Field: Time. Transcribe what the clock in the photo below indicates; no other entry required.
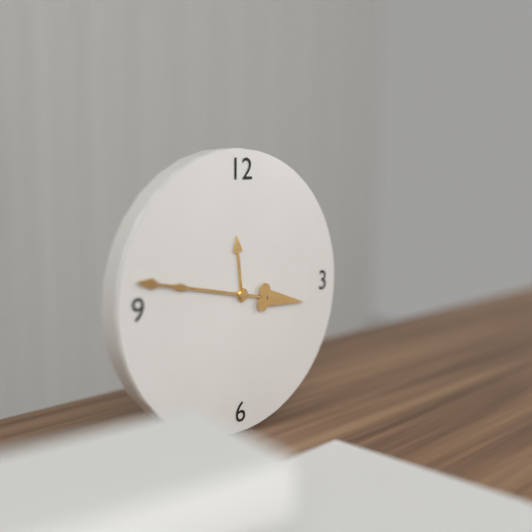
11:47
